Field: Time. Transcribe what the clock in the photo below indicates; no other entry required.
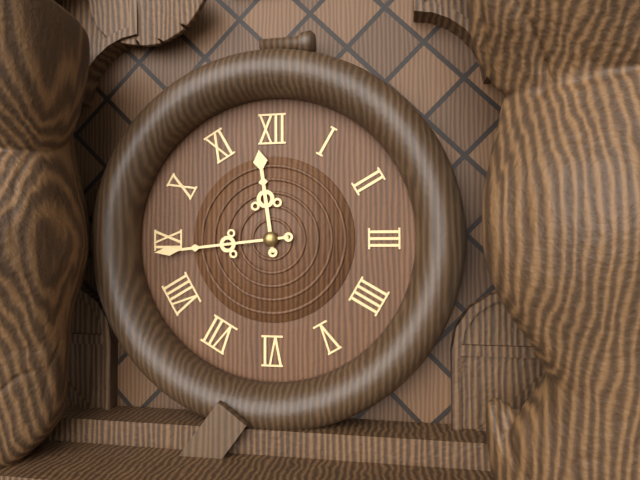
11:44
